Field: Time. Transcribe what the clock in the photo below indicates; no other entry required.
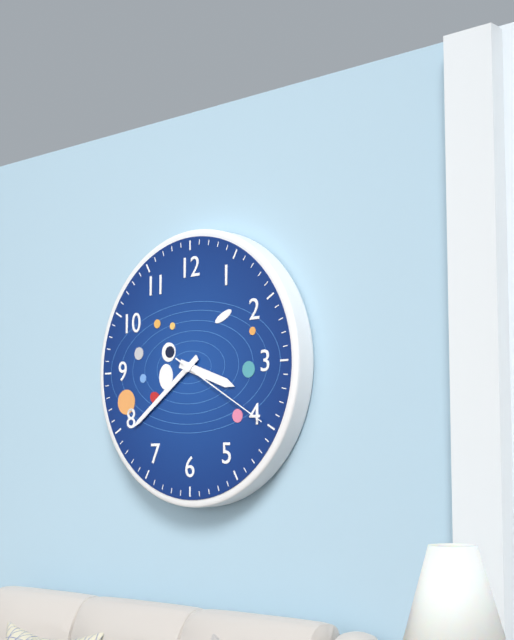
3:39:20
